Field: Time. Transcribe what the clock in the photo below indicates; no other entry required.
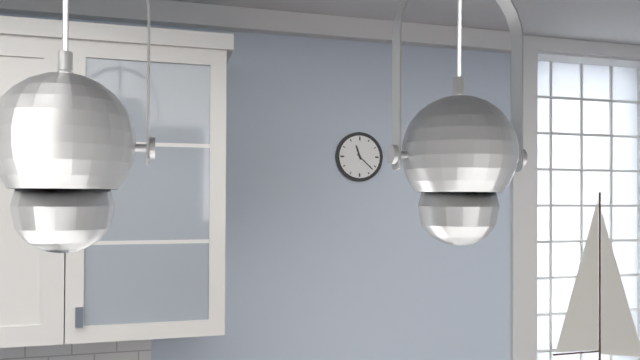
11:22
